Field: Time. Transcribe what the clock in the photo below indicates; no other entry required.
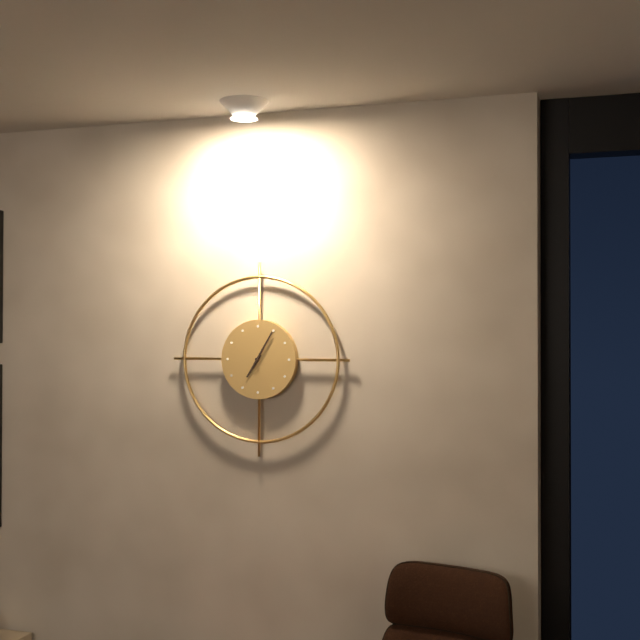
7:05
